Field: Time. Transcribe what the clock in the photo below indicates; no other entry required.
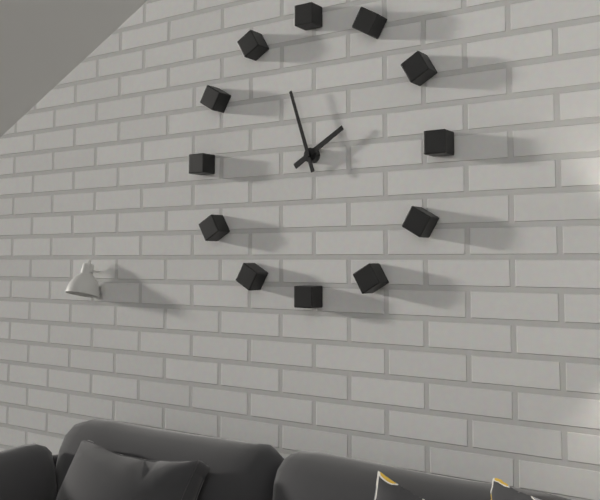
1:57
